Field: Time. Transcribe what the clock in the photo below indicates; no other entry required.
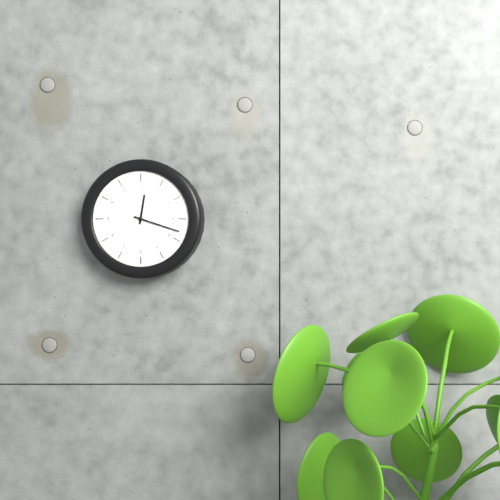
12:18
